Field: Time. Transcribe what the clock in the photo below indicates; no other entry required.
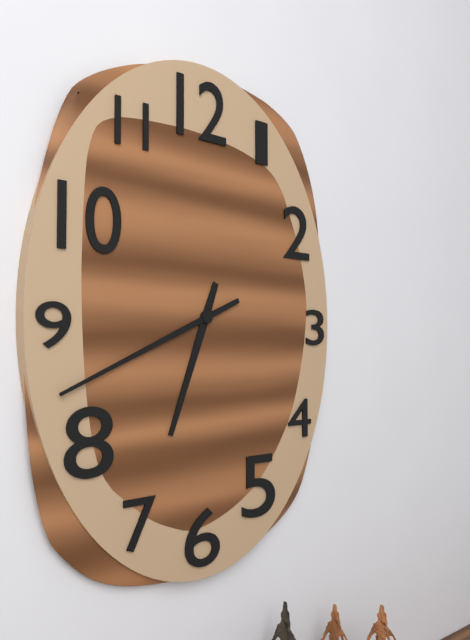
6:41
